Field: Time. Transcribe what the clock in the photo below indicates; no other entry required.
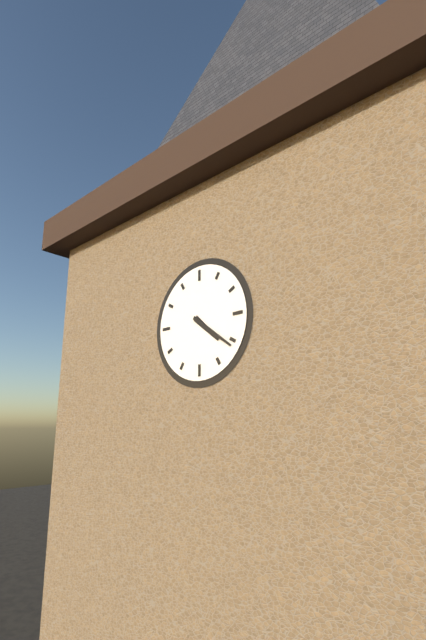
4:21
